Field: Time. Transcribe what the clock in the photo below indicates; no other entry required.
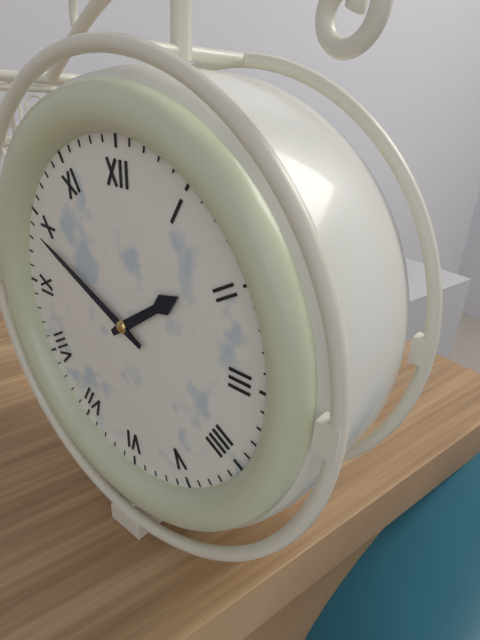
1:49
